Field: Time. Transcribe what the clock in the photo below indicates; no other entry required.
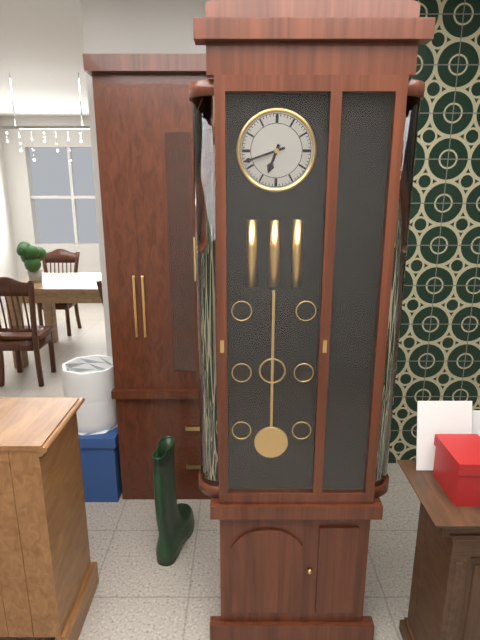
6:42
